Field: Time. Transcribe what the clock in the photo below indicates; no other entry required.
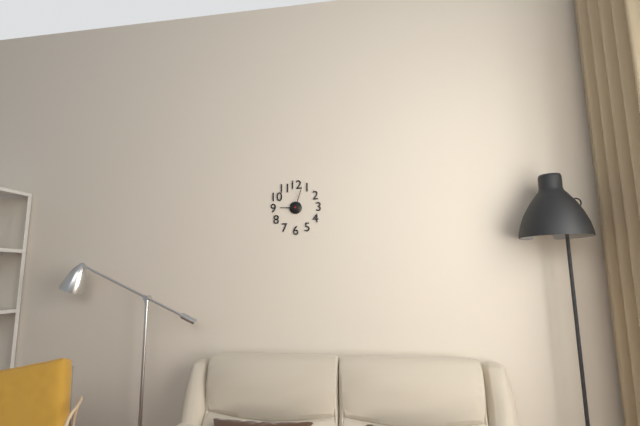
9:03
